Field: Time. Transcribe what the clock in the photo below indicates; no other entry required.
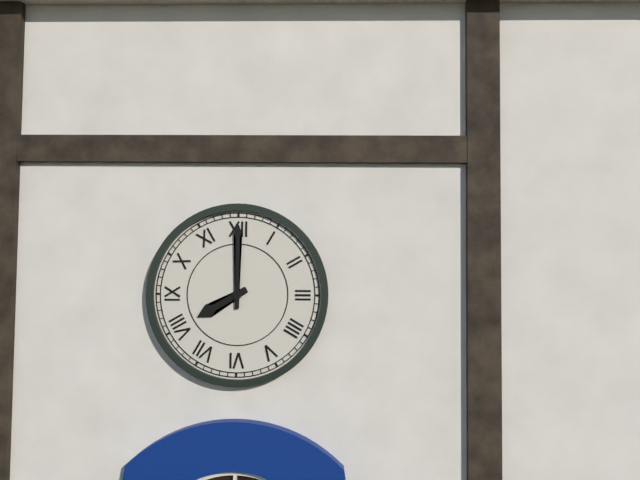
8:00
